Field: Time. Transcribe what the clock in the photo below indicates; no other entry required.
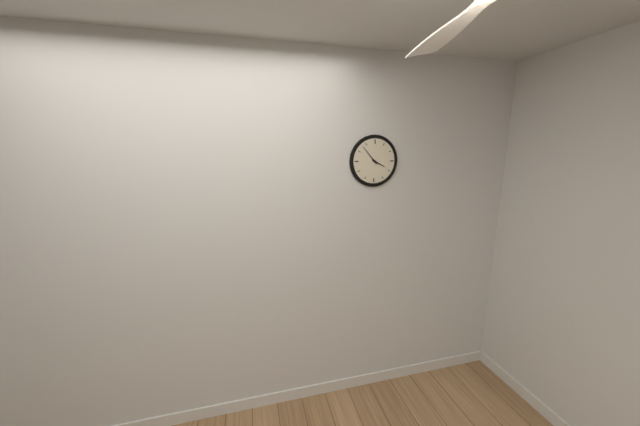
3:53
